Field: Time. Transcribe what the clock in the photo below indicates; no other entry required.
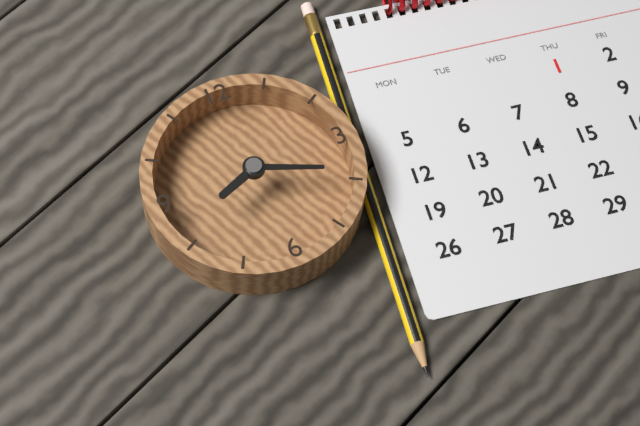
8:19
